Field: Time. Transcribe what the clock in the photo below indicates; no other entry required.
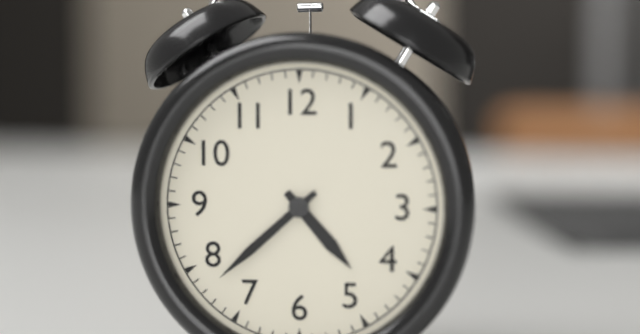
4:38
